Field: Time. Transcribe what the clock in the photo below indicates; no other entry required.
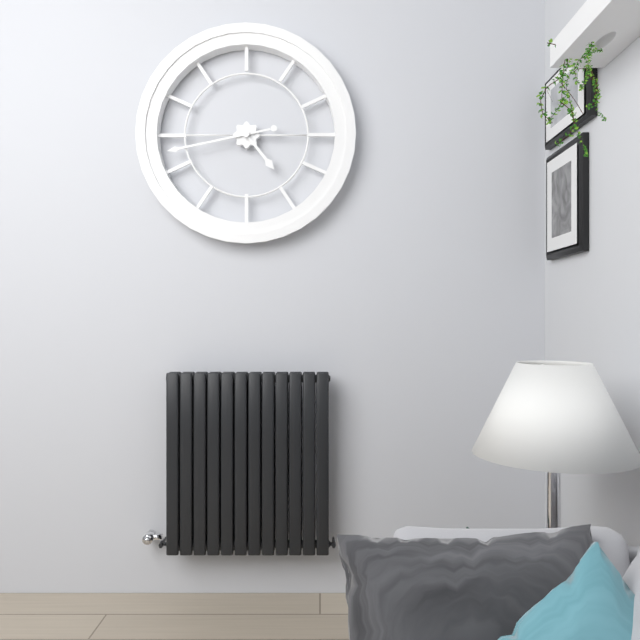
4:43
